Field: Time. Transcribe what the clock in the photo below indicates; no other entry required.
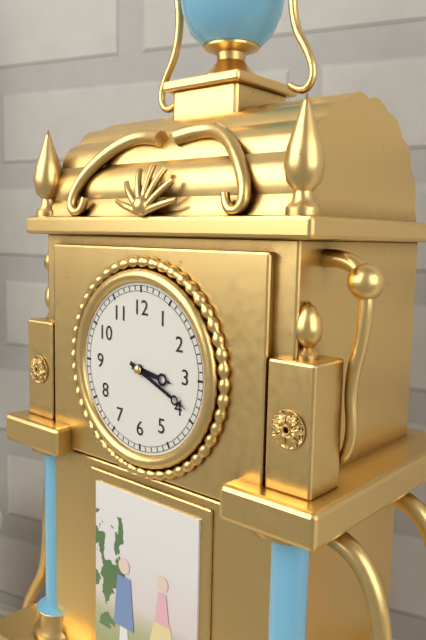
3:19
